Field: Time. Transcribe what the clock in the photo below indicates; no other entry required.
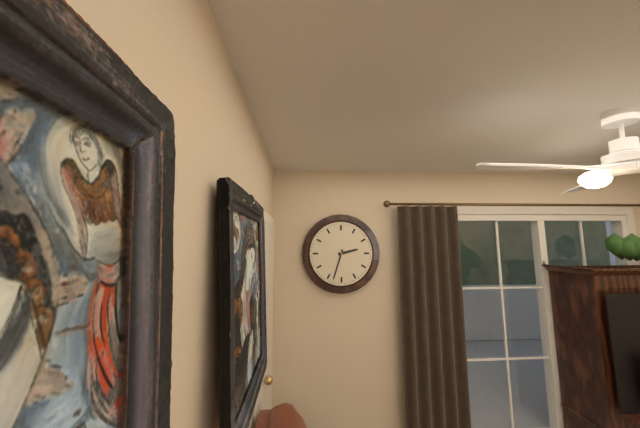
2:33
